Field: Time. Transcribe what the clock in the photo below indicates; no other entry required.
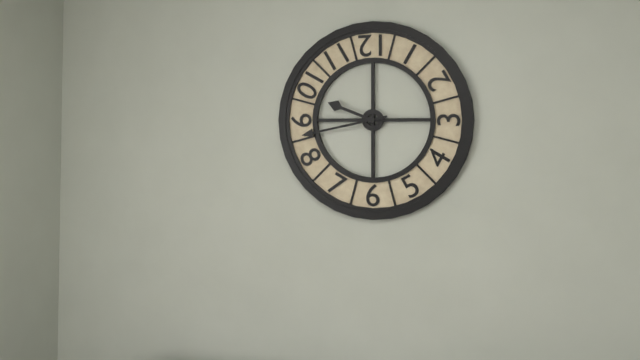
9:43
